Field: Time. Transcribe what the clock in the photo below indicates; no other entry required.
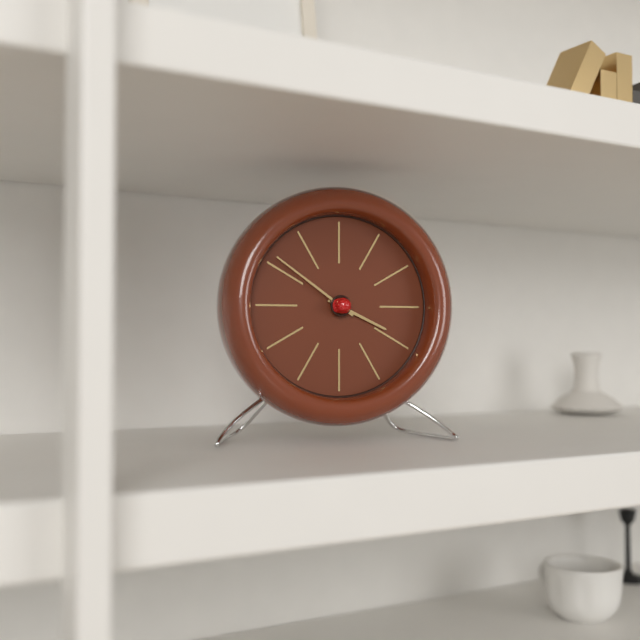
3:51
